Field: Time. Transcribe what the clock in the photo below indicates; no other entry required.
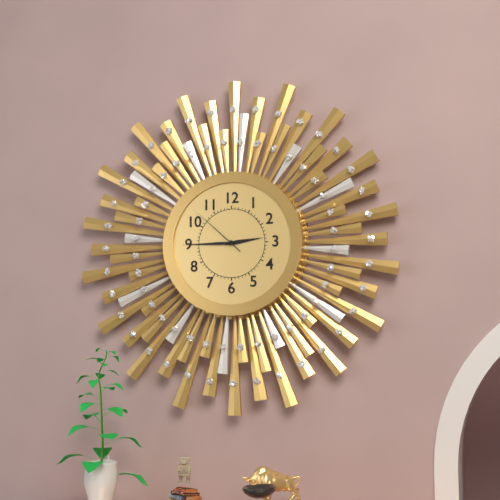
2:45:52
